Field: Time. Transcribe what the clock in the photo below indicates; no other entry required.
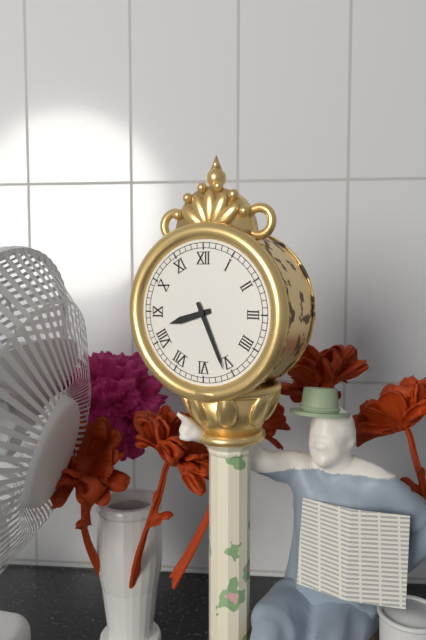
8:26
